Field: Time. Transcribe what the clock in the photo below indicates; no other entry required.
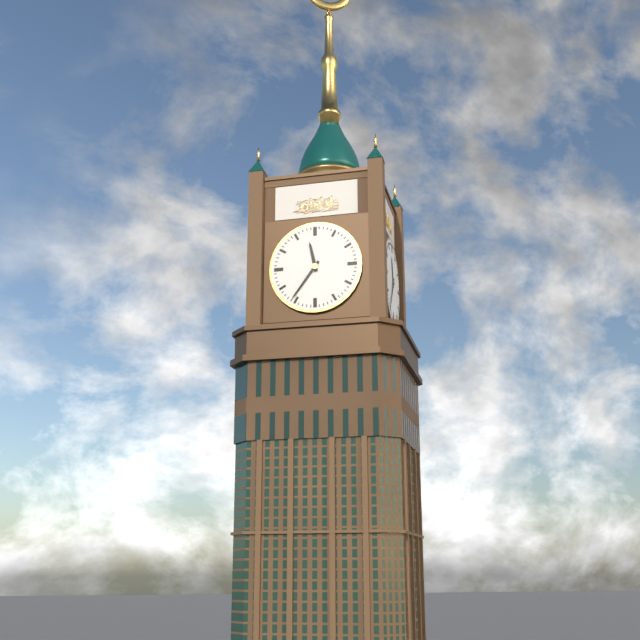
11:36
